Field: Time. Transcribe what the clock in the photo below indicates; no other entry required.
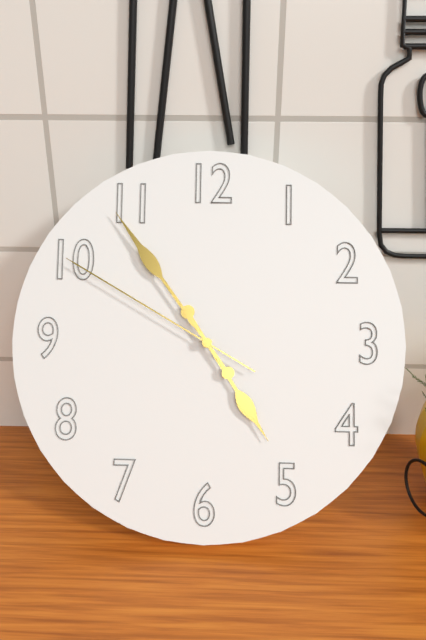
4:54:50
